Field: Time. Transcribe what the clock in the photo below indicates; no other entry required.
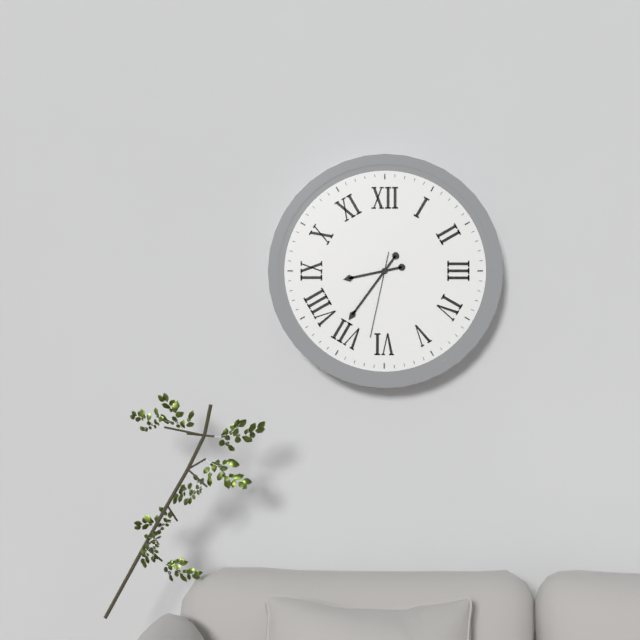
8:36:32
